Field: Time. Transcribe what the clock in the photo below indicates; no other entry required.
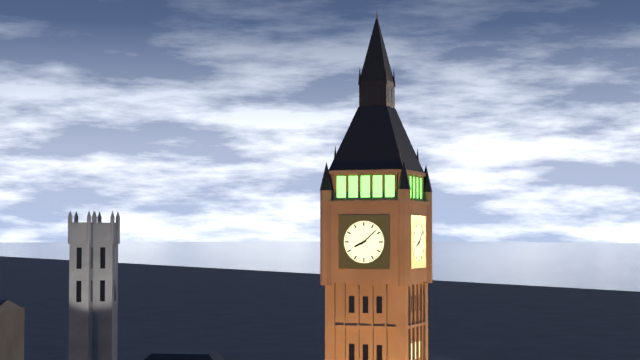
8:08
